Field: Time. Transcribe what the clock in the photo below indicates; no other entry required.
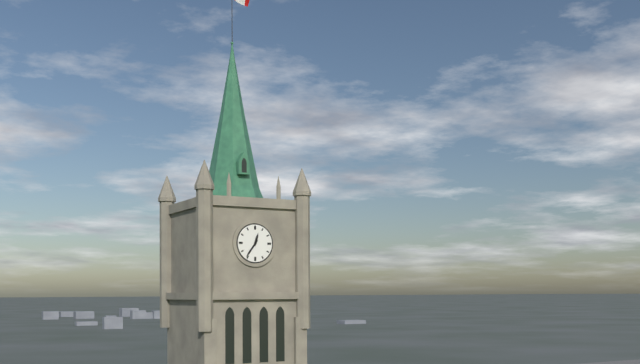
12:36
